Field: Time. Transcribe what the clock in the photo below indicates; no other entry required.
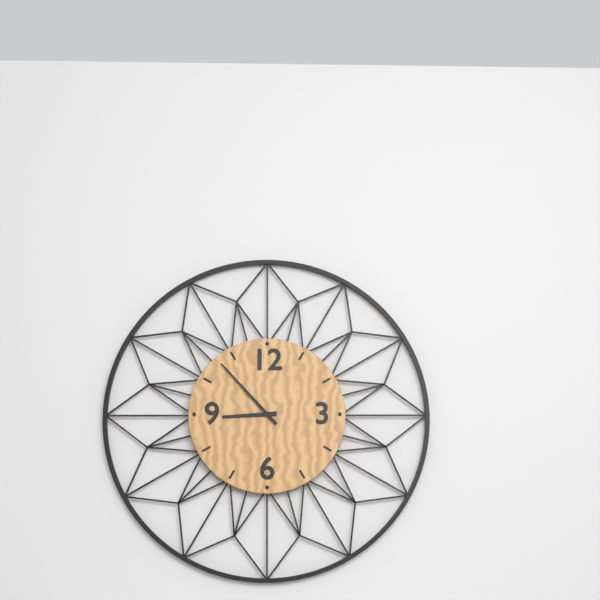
8:53
